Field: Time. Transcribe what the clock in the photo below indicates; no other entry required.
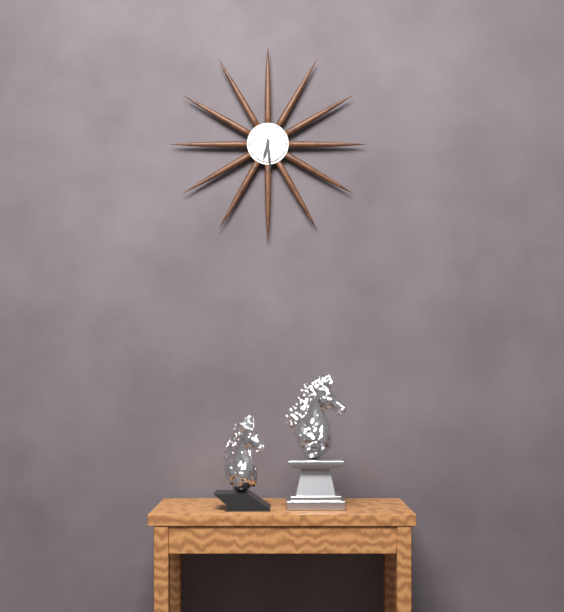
6:29
